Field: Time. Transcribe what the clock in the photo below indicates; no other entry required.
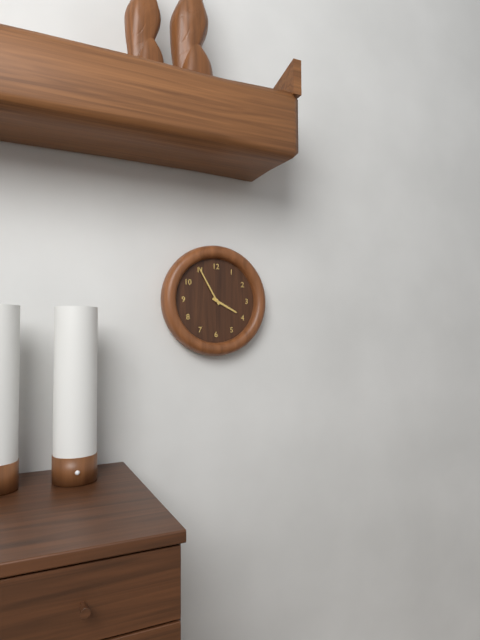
3:55
